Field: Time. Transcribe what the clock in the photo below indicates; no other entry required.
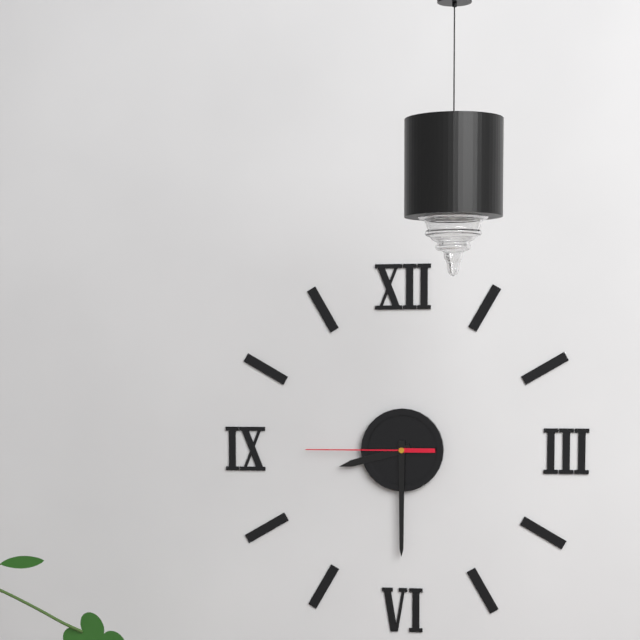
8:30:45
